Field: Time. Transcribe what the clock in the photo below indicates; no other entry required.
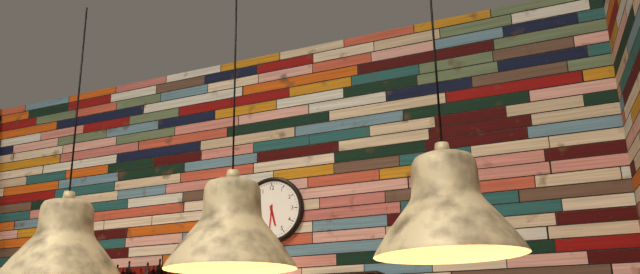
5:31
